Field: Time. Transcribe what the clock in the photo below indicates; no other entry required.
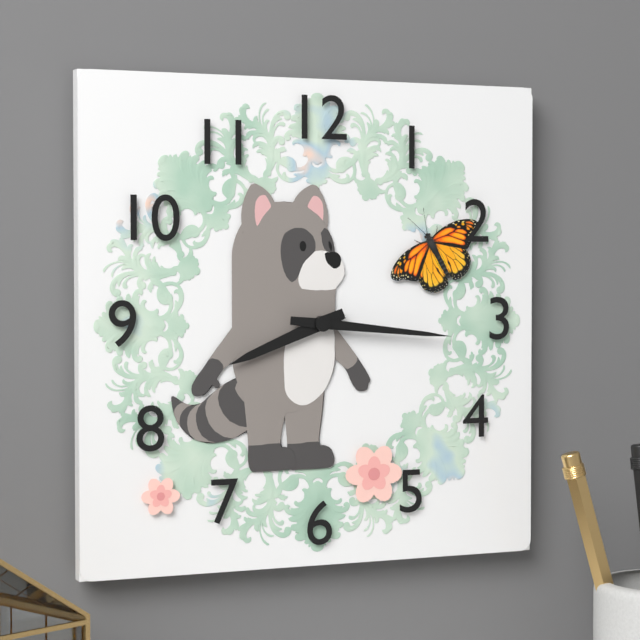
8:16
